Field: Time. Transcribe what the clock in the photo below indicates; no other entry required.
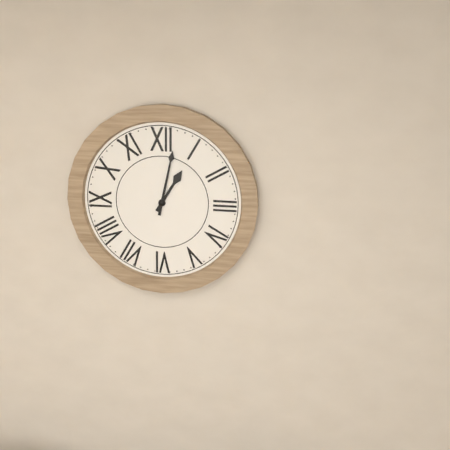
1:02
